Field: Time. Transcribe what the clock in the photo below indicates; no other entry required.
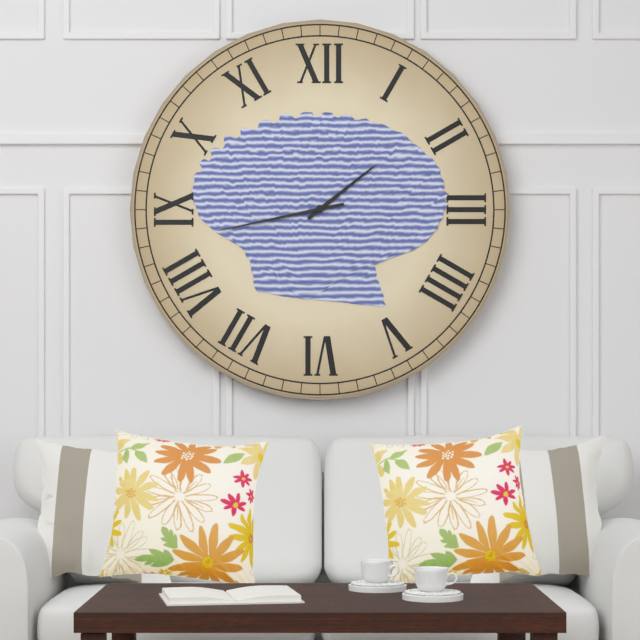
1:43
